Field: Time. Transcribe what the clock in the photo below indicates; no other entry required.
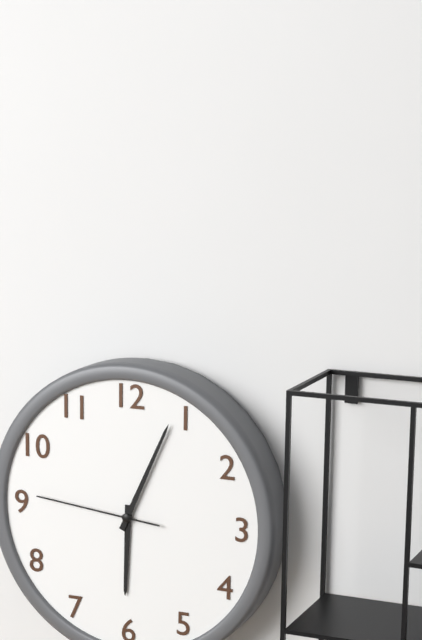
6:04:46
